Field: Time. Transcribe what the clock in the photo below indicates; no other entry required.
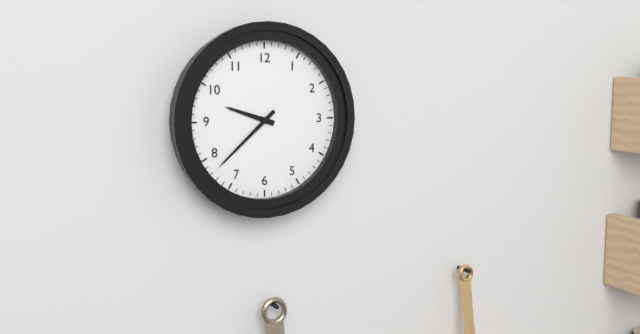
9:38
